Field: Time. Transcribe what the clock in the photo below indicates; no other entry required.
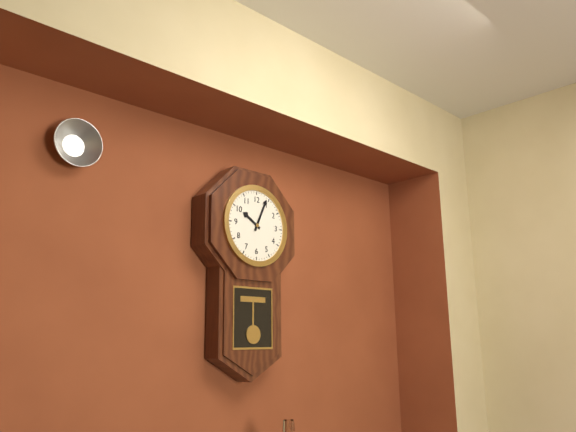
10:04
